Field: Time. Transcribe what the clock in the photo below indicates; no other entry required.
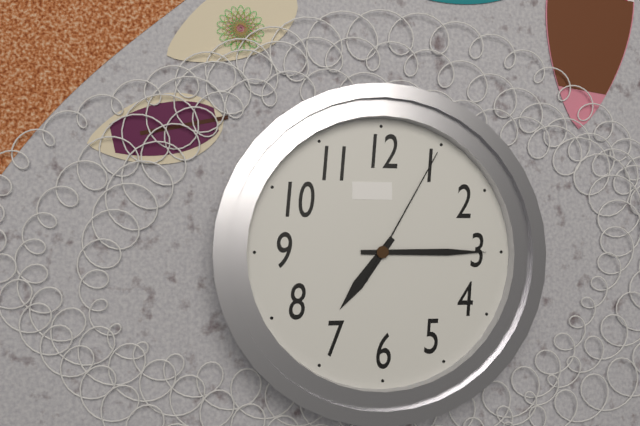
7:15:05
